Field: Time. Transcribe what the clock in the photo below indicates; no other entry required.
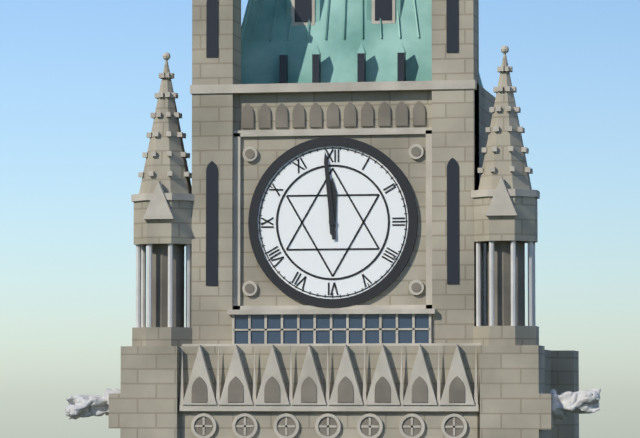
11:59
